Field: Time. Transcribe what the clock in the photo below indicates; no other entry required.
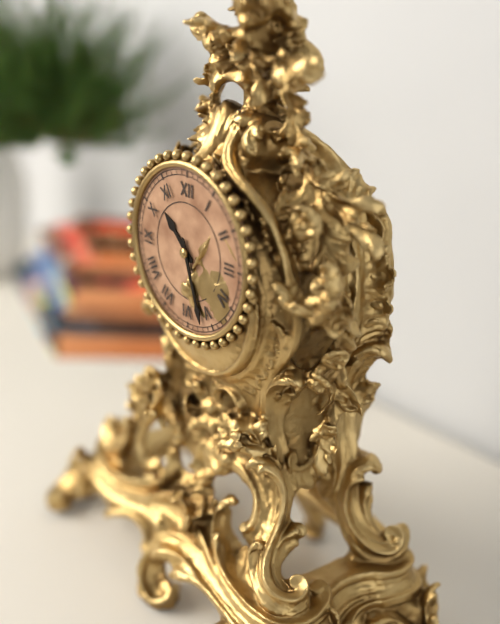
10:27
